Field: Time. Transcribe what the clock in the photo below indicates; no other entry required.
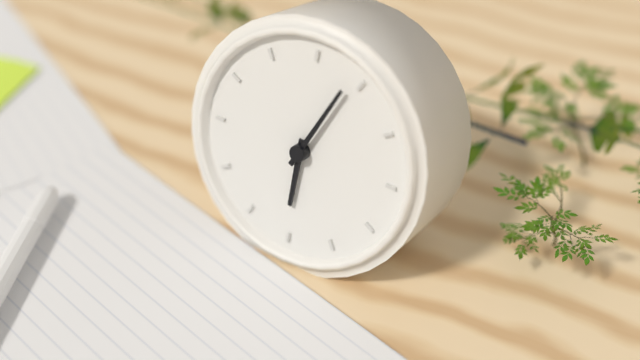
6:04
